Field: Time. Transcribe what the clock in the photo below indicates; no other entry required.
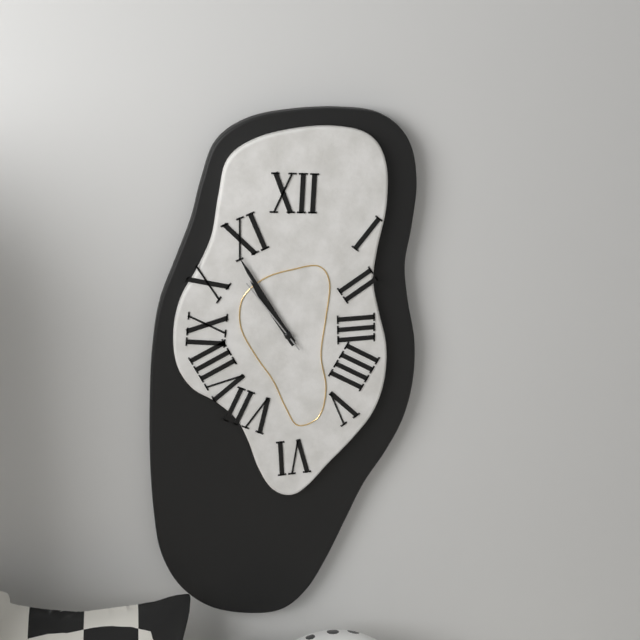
10:55:54
